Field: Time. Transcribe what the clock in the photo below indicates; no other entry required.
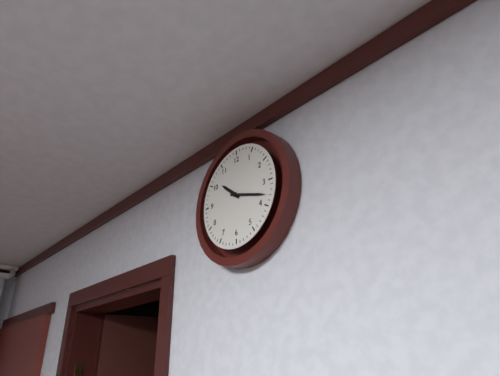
10:18
